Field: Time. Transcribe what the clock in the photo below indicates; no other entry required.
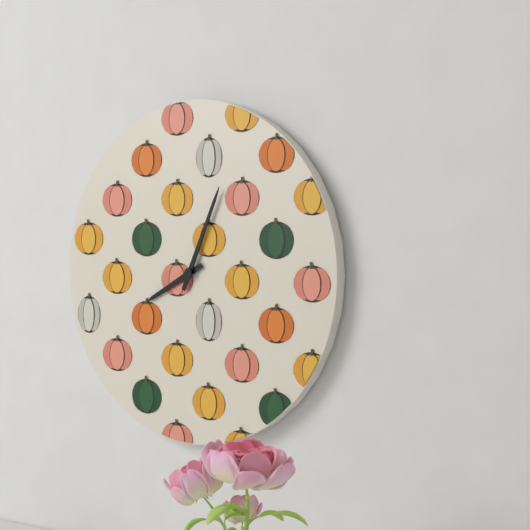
8:04
